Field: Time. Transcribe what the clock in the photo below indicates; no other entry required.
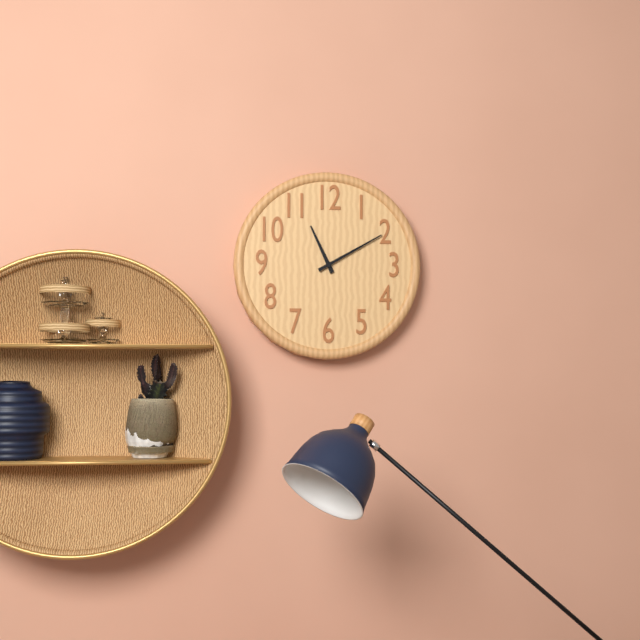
11:10
